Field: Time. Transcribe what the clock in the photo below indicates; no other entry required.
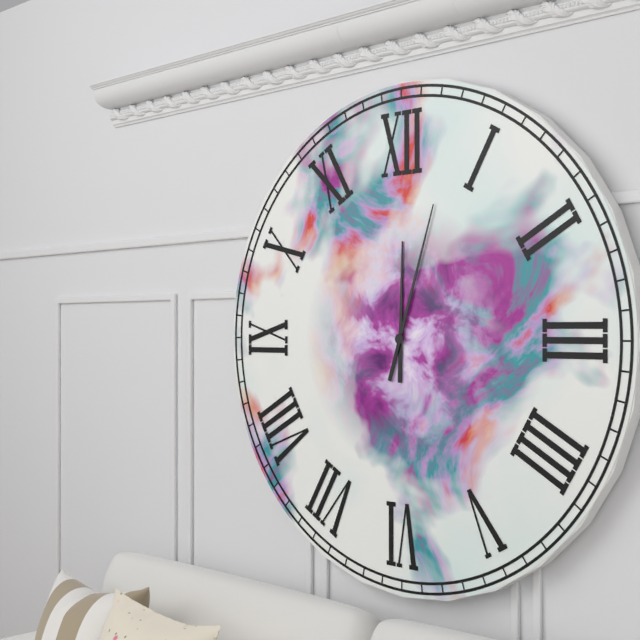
12:03
